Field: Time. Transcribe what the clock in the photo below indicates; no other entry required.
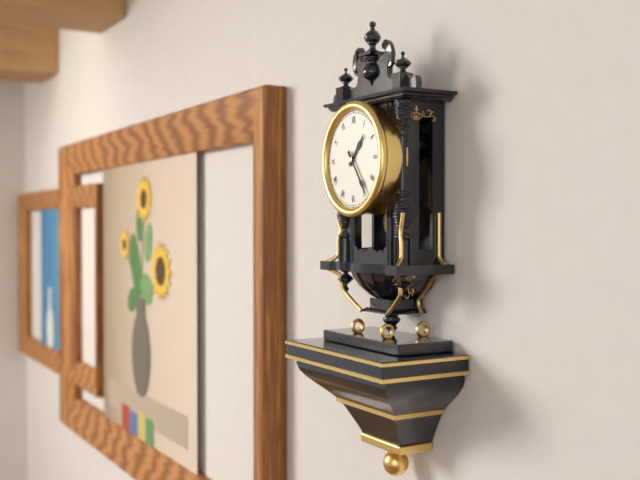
1:24
